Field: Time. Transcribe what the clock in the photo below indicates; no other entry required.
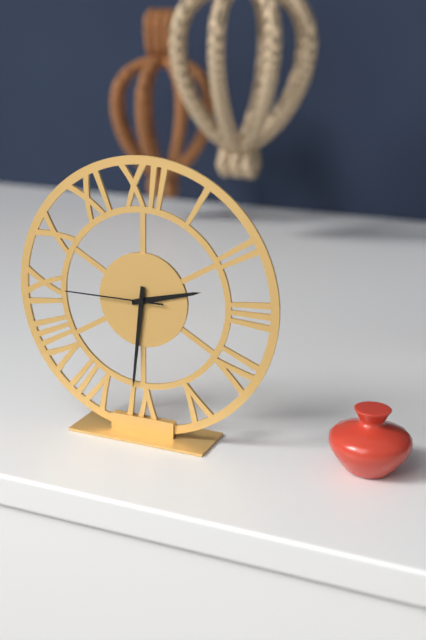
2:31:45
